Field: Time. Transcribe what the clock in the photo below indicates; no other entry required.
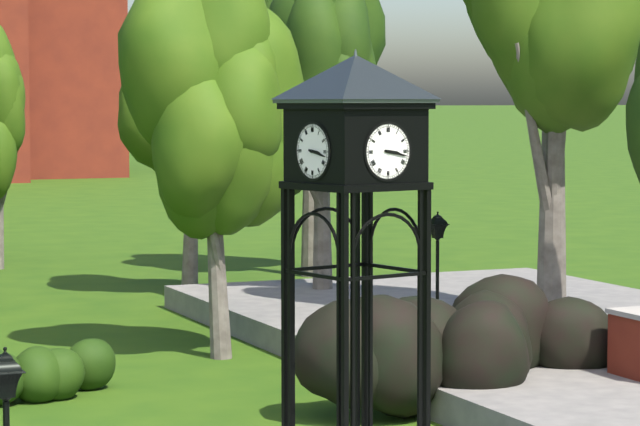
3:17
